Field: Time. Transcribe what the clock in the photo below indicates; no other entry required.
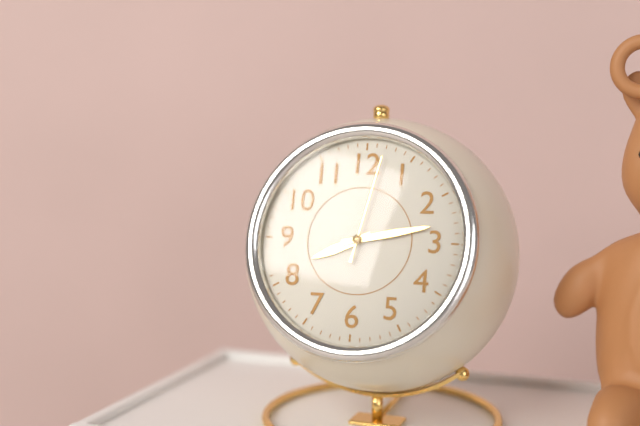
8:13:02
